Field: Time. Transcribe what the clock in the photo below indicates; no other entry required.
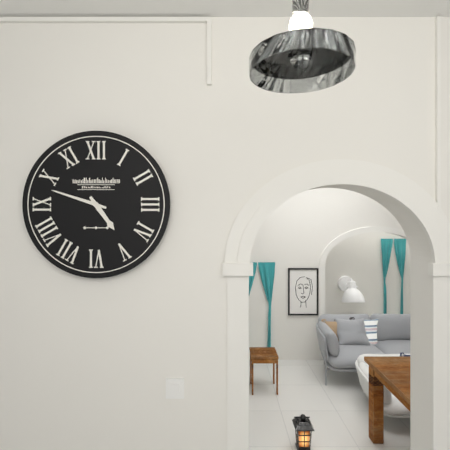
4:48
